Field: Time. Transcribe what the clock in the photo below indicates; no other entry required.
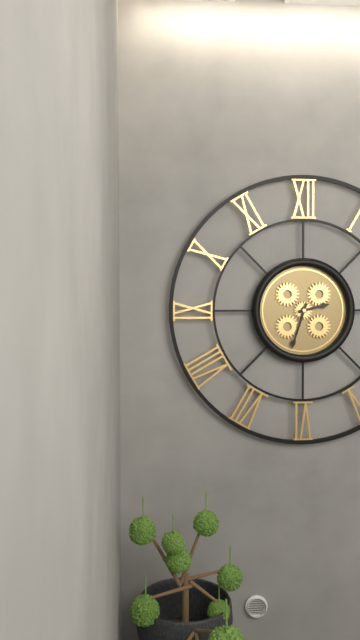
2:33
